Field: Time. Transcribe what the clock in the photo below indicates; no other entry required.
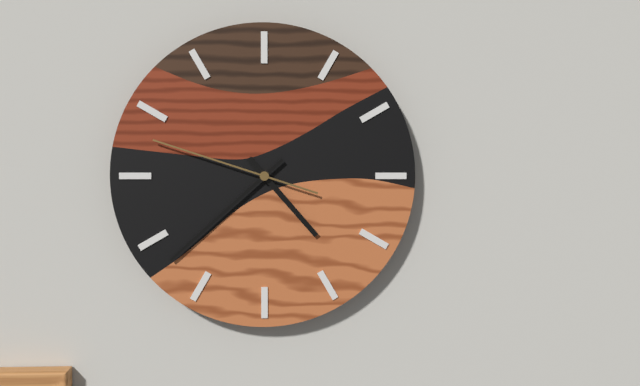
4:38:48
